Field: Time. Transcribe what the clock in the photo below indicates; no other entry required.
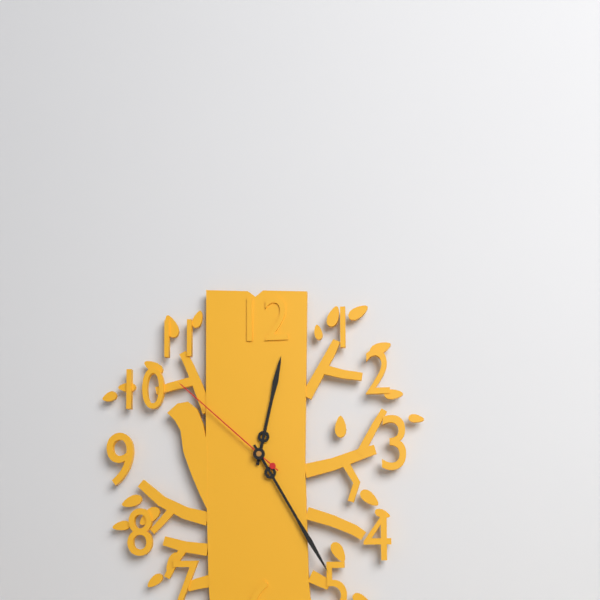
12:25:52
